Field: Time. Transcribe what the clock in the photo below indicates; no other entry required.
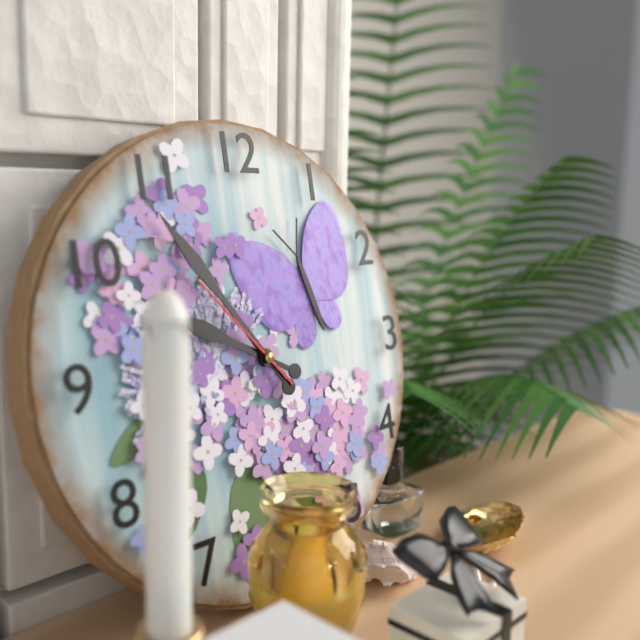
9:54:53
